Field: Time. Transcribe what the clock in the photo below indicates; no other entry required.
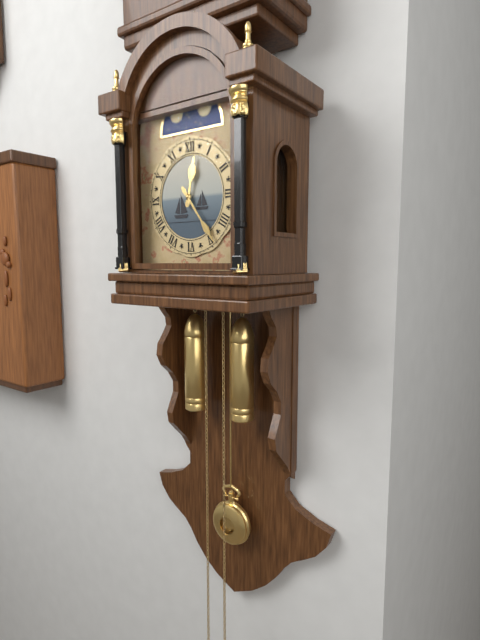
12:24
